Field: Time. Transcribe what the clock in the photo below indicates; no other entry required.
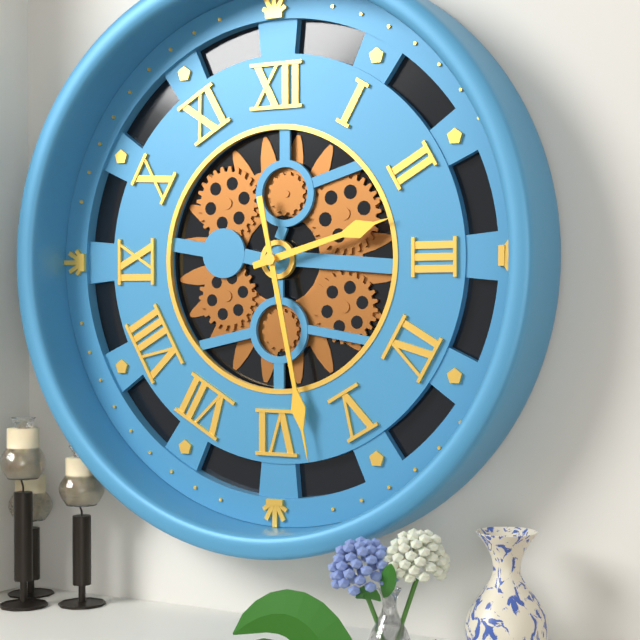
2:28
